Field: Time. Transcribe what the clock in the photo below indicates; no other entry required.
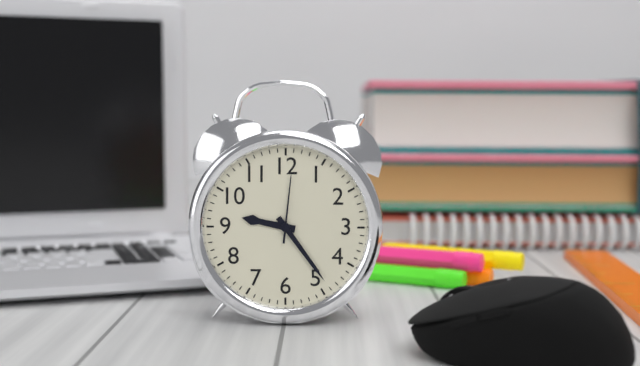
9:24:01
